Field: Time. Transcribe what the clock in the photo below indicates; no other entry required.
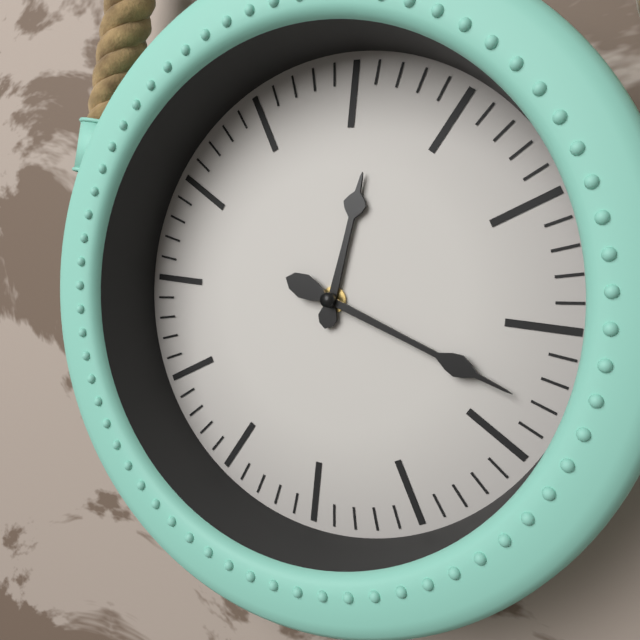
12:18
